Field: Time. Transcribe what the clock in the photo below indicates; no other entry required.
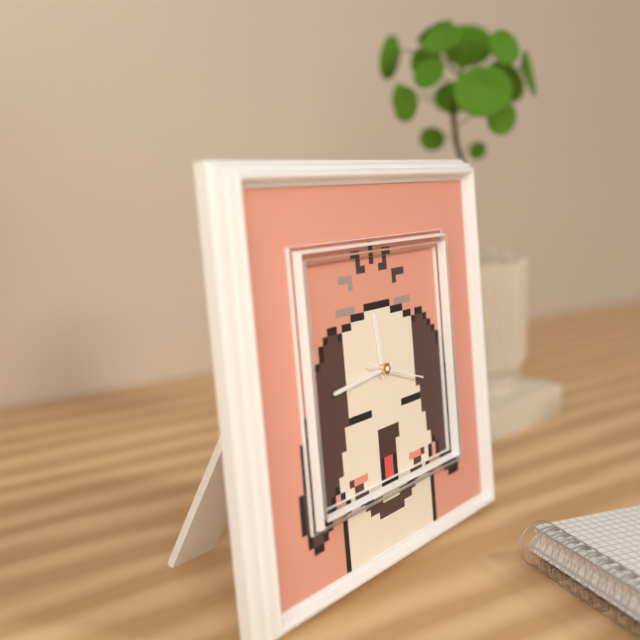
11:44
